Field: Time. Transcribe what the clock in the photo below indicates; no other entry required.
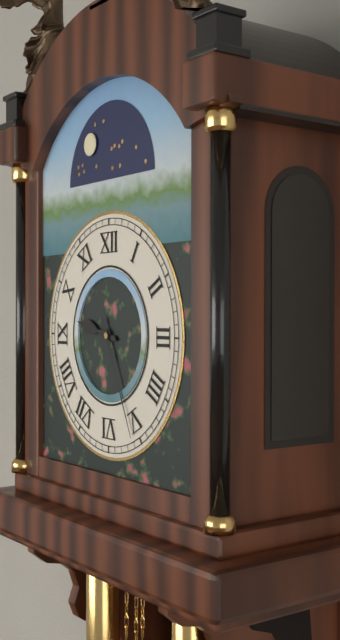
9:26
